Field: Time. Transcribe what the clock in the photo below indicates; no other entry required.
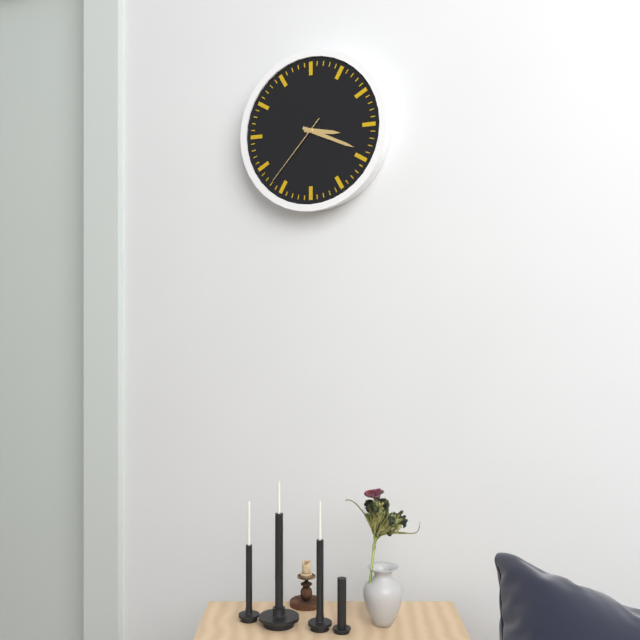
3:19:37
